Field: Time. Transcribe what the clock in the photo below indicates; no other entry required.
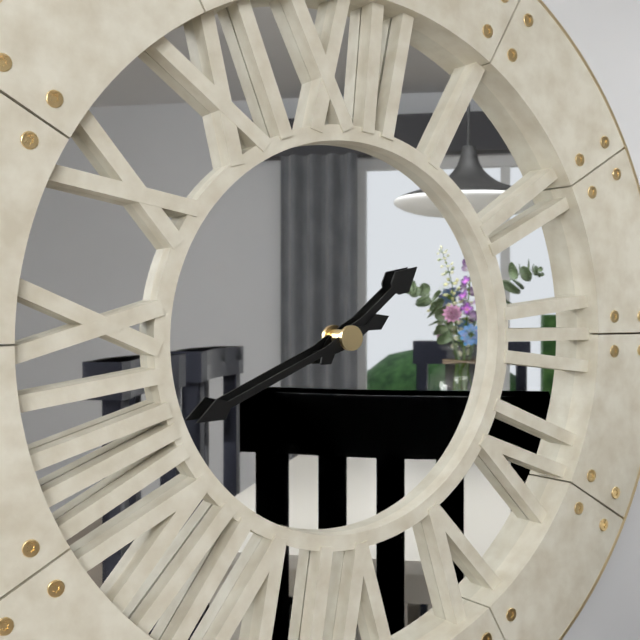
1:41
